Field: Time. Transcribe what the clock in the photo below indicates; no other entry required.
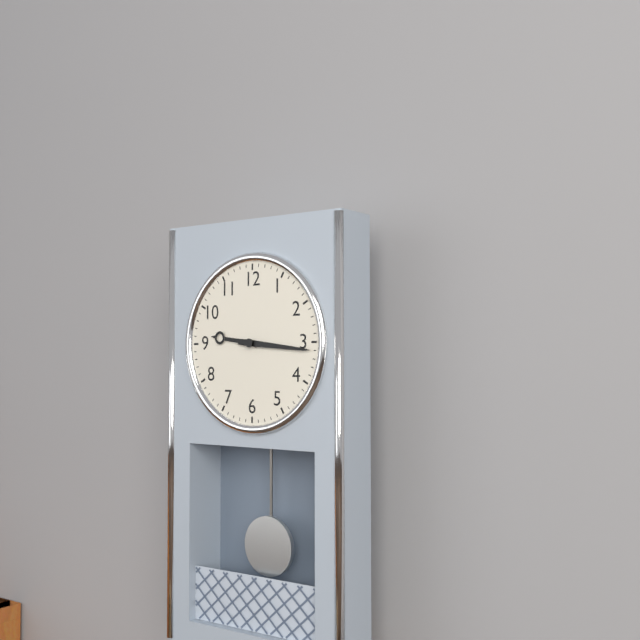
9:16
